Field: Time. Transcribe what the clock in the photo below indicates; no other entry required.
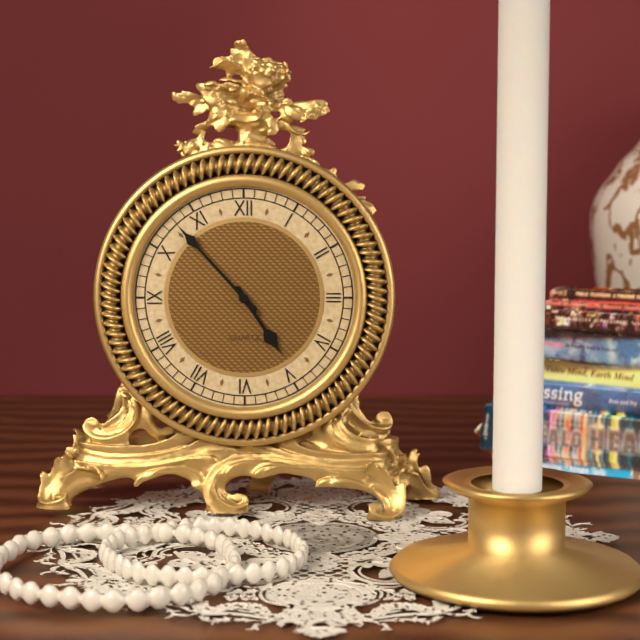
4:53
